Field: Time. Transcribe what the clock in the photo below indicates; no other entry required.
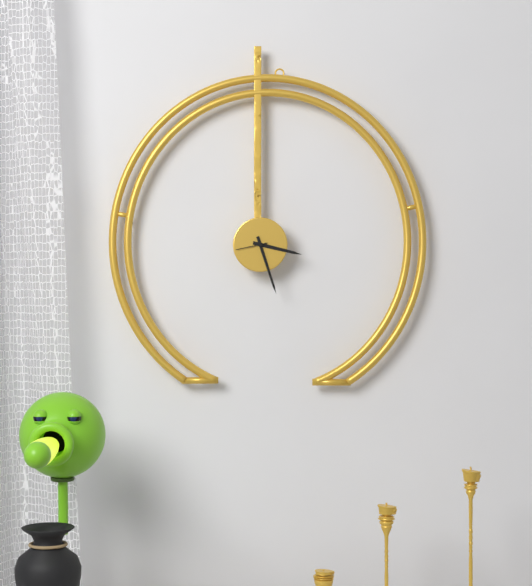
3:27
